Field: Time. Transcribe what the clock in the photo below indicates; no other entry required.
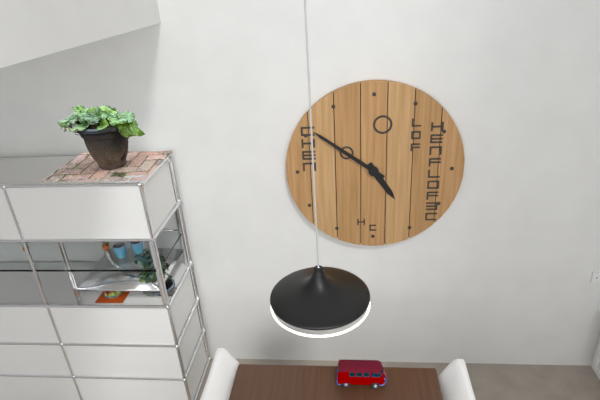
4:51
